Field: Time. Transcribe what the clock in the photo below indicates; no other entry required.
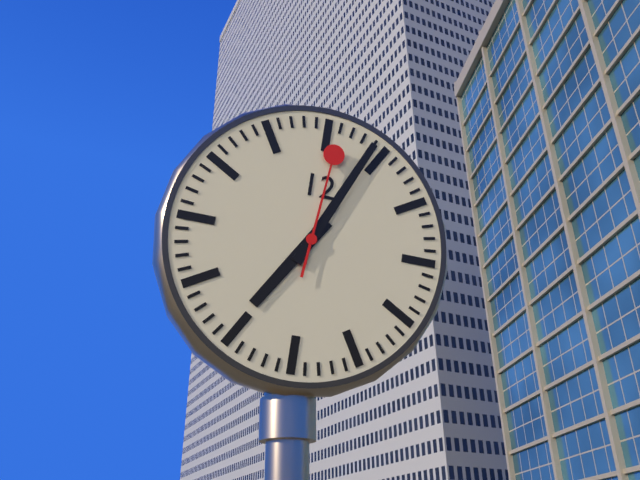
7:04:01
